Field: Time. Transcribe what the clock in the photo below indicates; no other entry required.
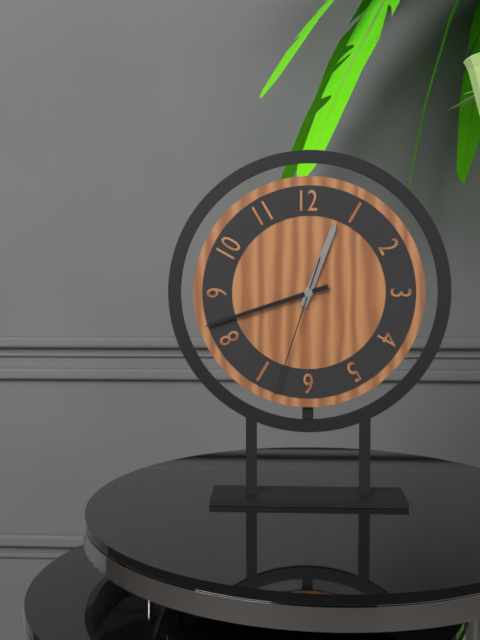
12:42:33
